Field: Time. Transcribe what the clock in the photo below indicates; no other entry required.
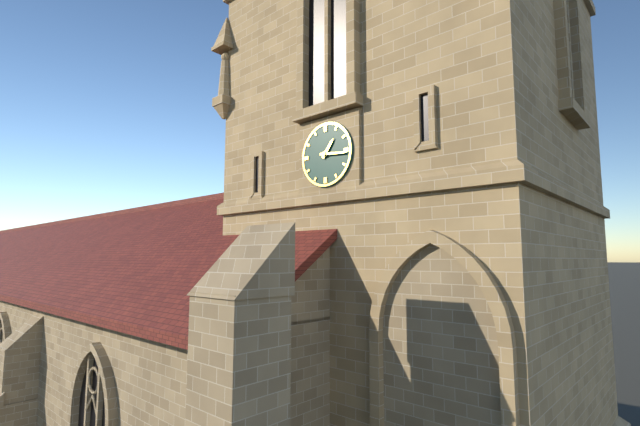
1:16
